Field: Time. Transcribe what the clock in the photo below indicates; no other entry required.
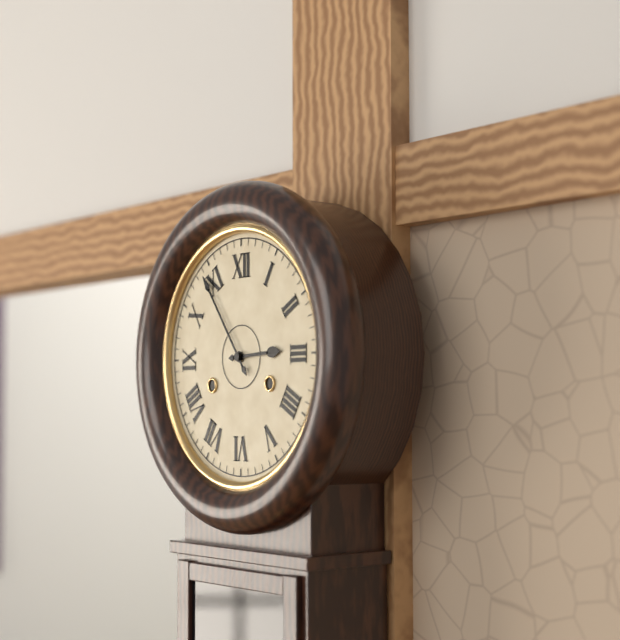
2:54
